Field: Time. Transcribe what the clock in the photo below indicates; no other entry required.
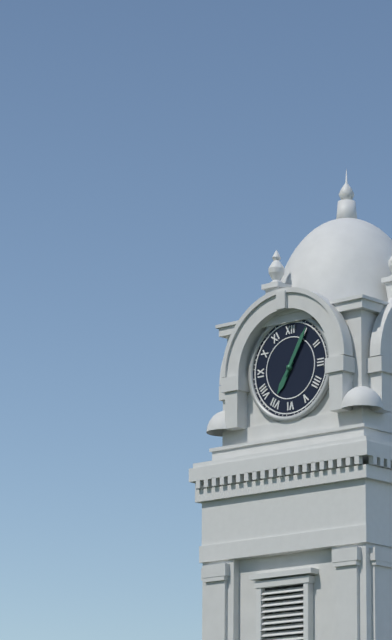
7:05
